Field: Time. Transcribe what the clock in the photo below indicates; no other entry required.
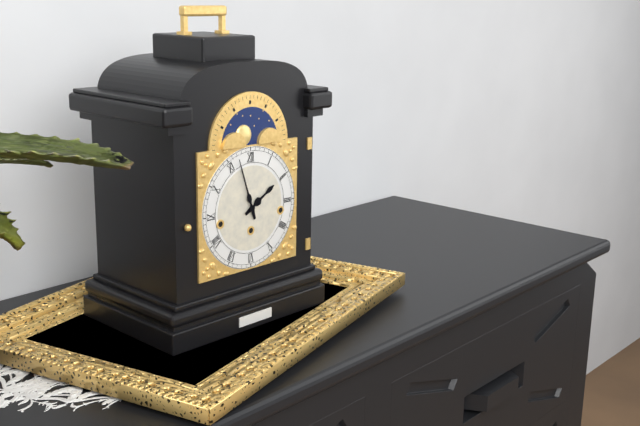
1:57
